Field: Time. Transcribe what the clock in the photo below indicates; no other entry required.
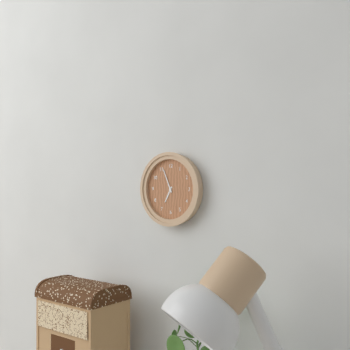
6:56
